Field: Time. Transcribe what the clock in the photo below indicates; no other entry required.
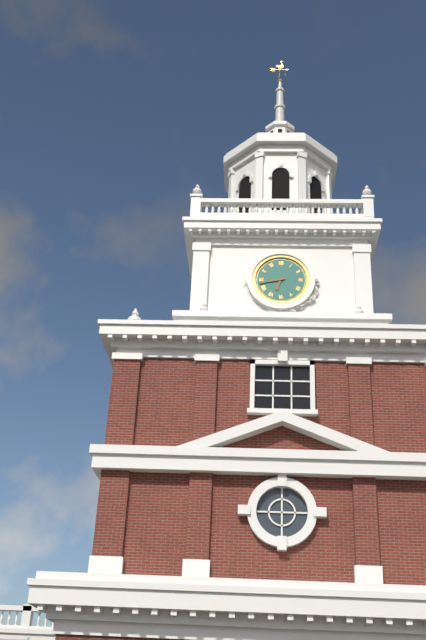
6:43
